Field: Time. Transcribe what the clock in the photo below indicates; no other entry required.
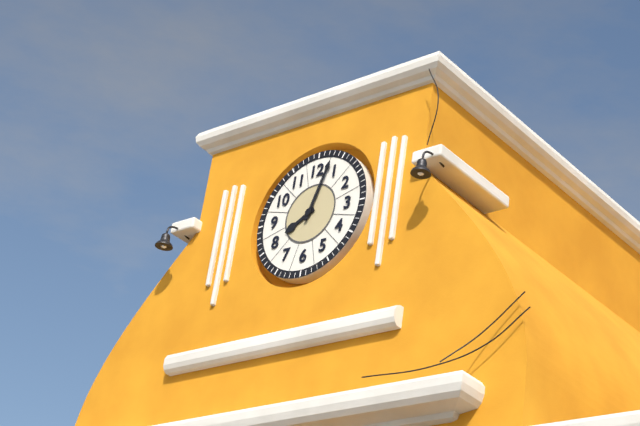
8:03
